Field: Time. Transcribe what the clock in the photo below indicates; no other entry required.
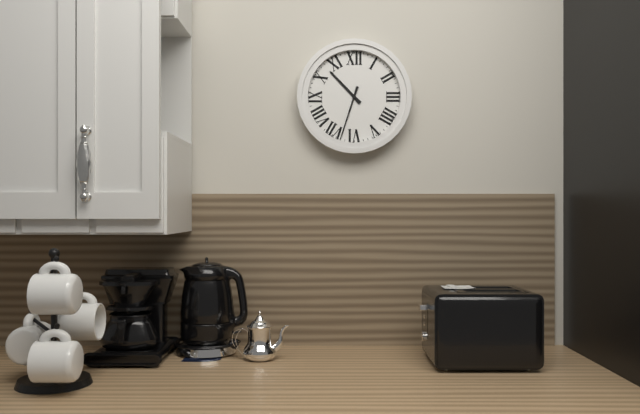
10:33
